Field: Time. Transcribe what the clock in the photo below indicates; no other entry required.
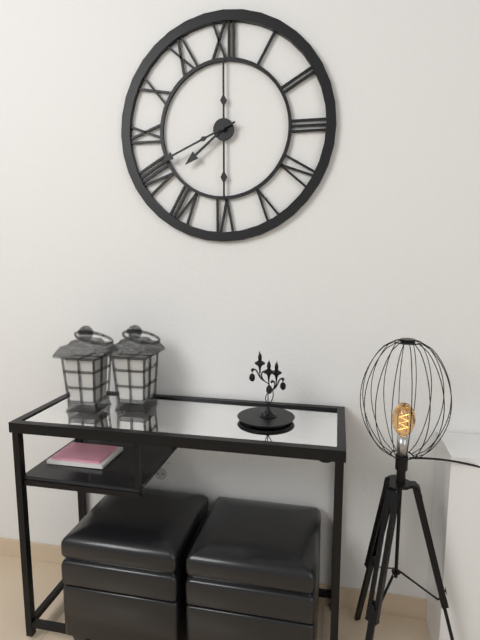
7:41
